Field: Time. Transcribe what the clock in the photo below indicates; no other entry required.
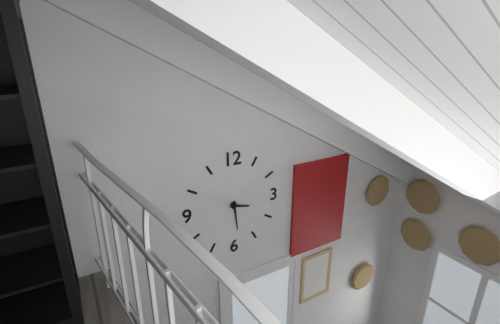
3:29
